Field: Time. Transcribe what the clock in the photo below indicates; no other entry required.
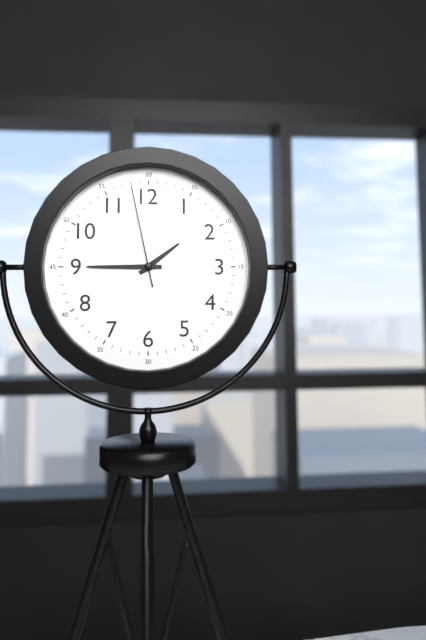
1:45:58
